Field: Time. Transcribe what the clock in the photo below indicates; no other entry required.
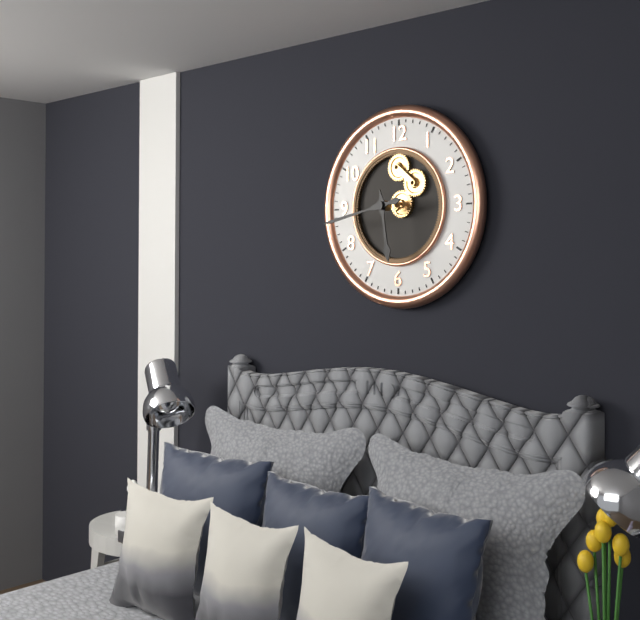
5:43
